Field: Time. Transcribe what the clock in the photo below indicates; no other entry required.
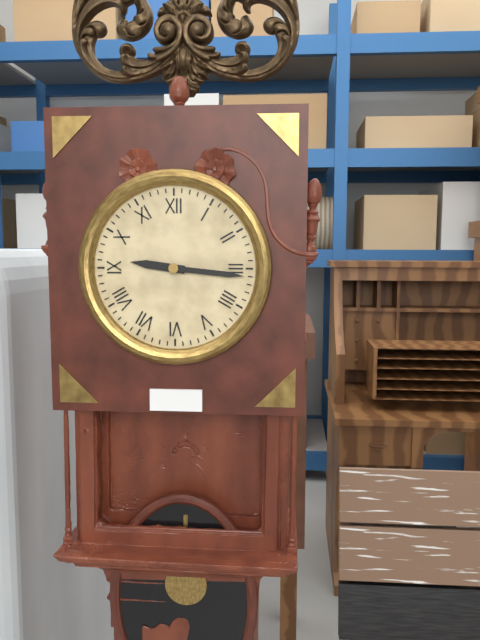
9:16
